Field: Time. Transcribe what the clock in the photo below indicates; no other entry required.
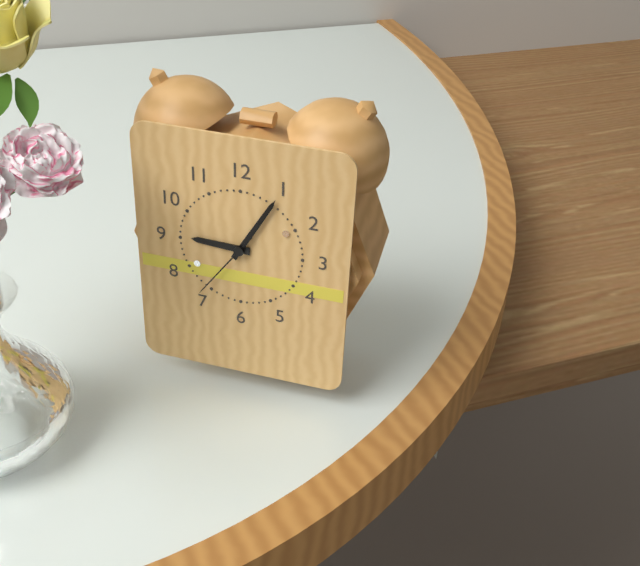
9:05:36
